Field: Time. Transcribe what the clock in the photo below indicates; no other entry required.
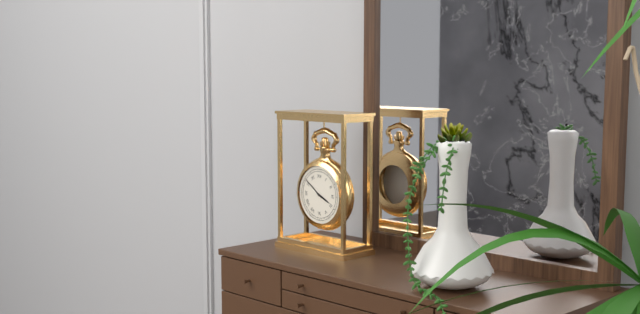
3:51
